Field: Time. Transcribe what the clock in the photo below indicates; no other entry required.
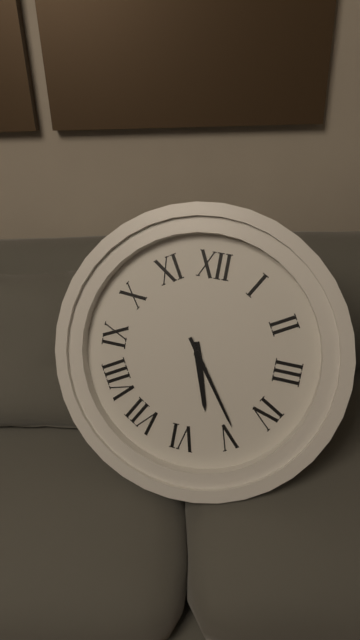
5:24
